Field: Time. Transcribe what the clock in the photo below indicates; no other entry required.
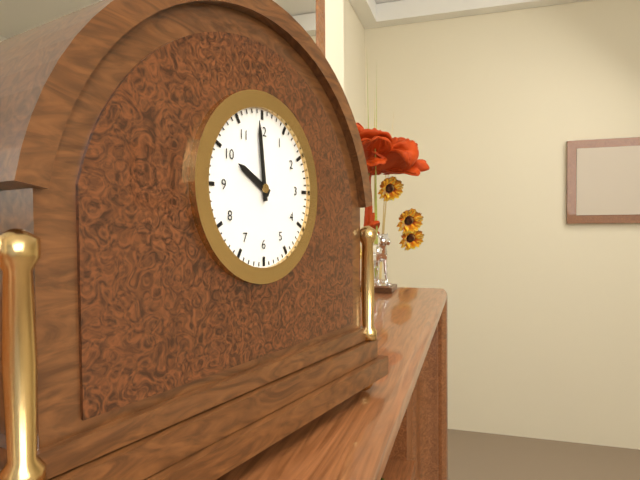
9:59
